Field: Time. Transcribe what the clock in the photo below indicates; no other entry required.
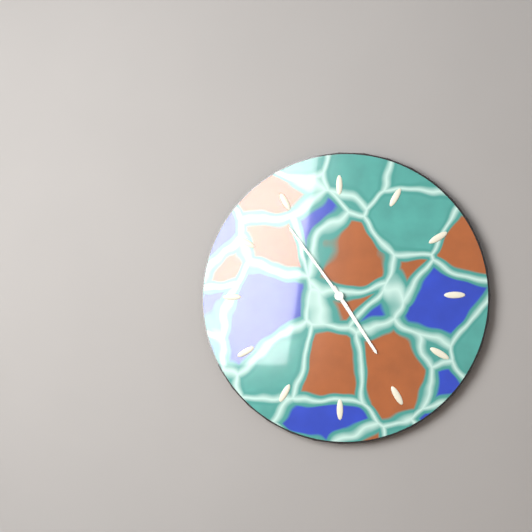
4:54
